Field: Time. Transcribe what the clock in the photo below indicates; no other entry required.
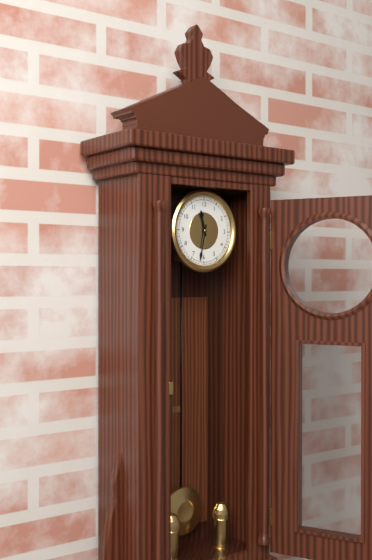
11:32
